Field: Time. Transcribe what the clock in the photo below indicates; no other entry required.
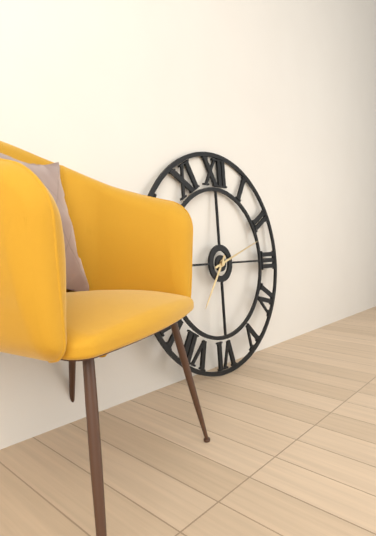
7:12
